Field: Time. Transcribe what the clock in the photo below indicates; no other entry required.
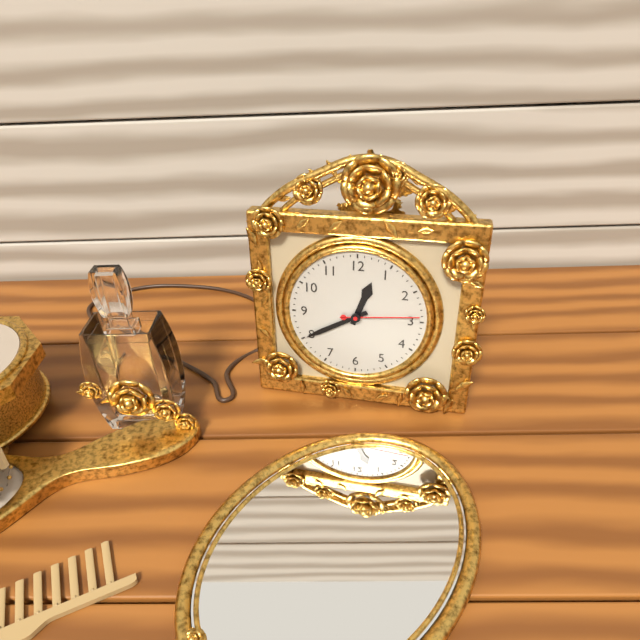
12:40:14
